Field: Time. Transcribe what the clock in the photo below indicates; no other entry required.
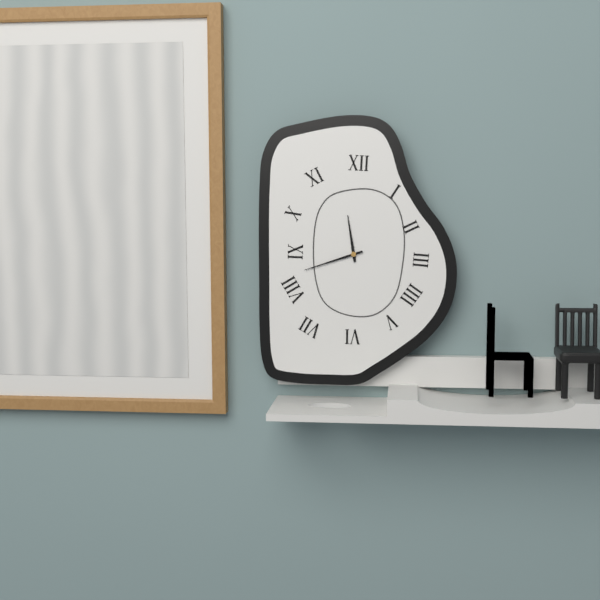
11:42
